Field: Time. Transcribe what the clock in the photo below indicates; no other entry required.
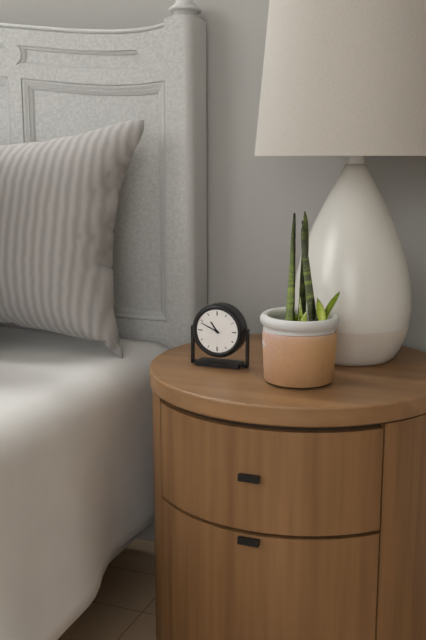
10:49
